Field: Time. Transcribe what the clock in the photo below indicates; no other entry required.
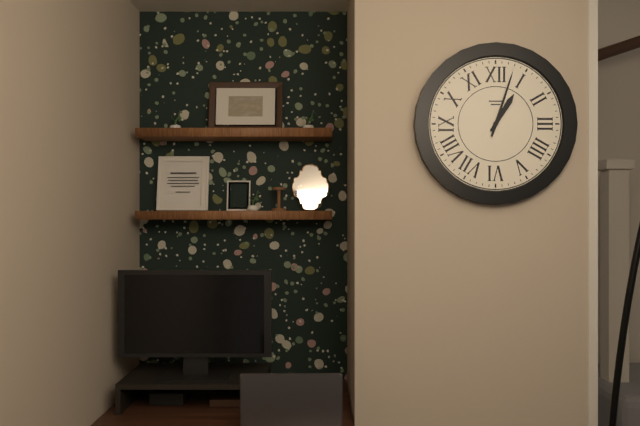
1:03
